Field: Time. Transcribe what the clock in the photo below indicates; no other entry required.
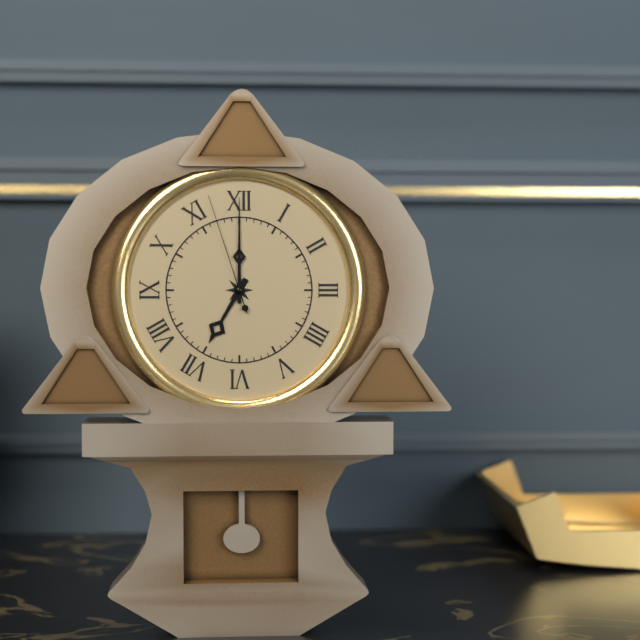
7:00:57
